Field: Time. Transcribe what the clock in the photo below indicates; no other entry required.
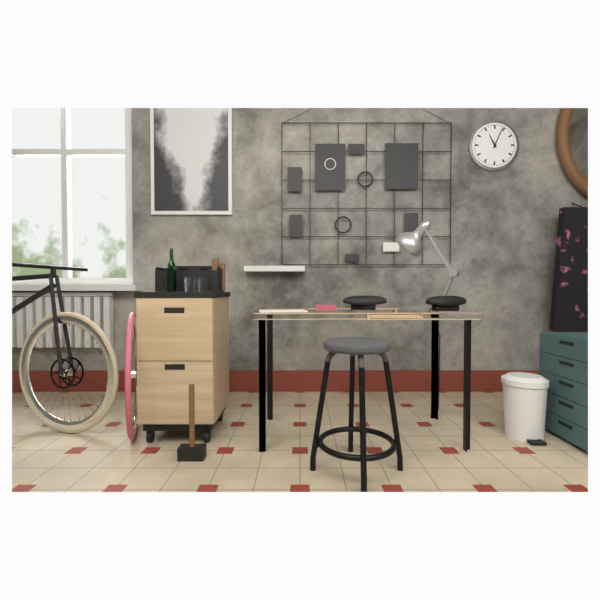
11:04
